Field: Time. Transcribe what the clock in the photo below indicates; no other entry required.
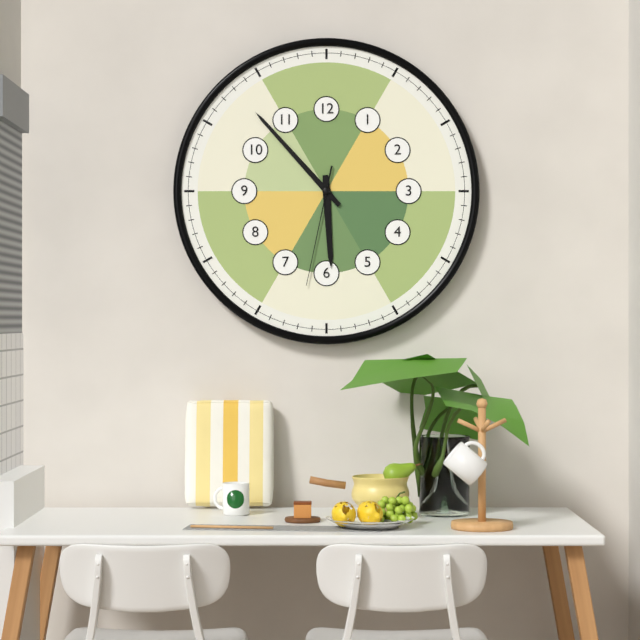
5:53:32
